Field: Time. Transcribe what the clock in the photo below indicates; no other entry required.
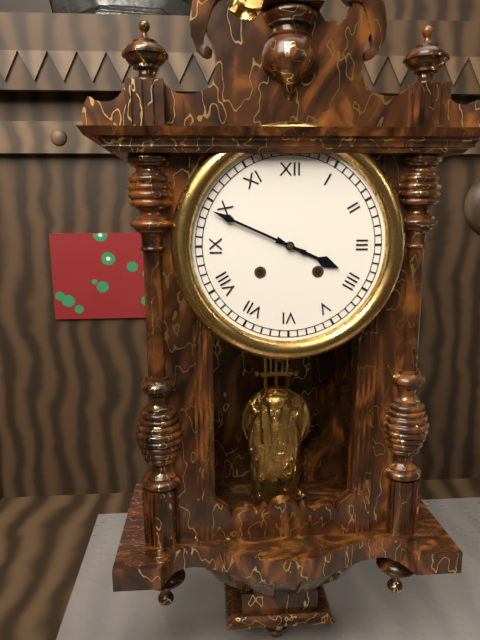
3:49
